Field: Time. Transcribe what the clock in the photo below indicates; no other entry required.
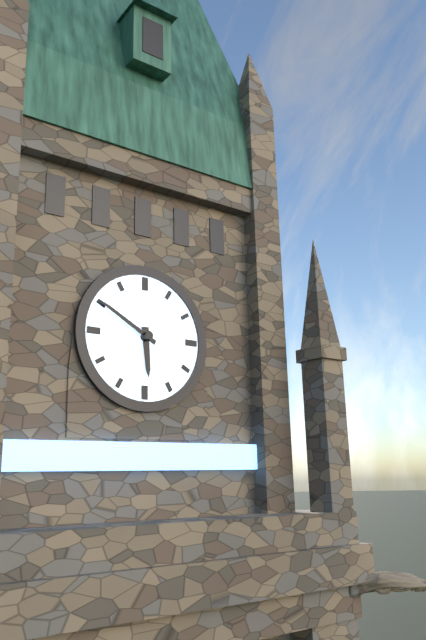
5:50
